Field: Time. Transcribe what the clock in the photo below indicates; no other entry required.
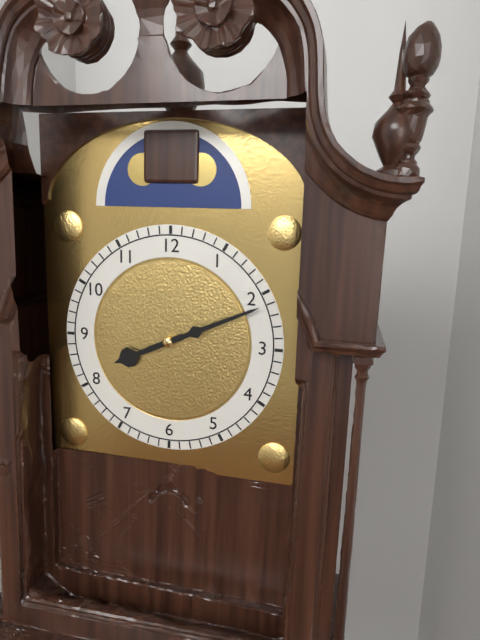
8:11
